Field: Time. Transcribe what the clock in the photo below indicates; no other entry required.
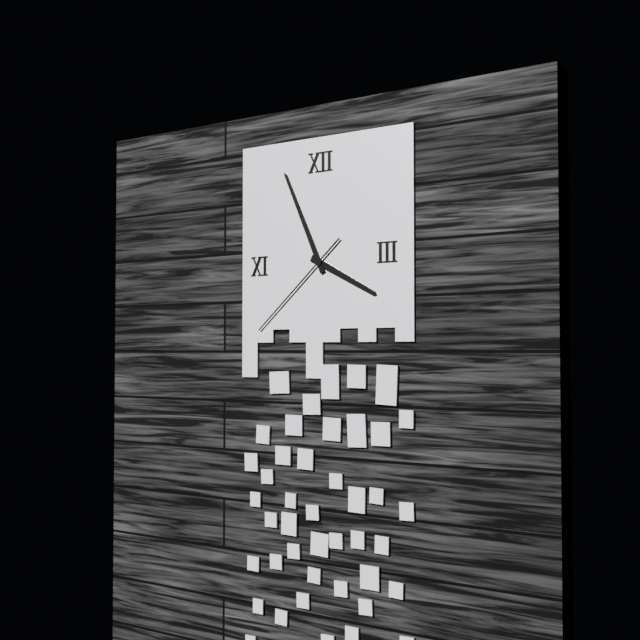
3:56:38
